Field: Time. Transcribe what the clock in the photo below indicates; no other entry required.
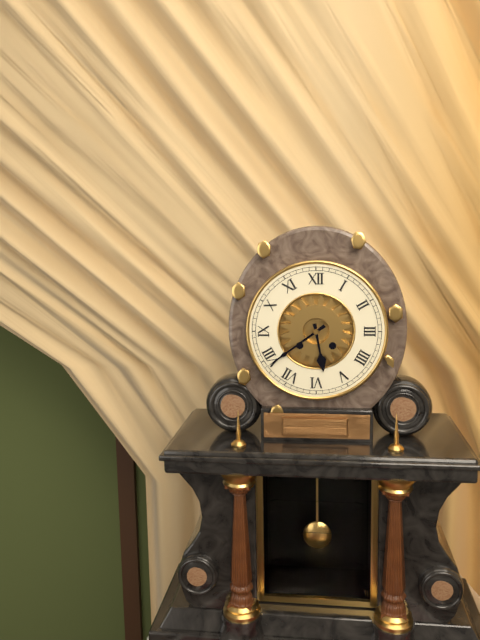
5:39
